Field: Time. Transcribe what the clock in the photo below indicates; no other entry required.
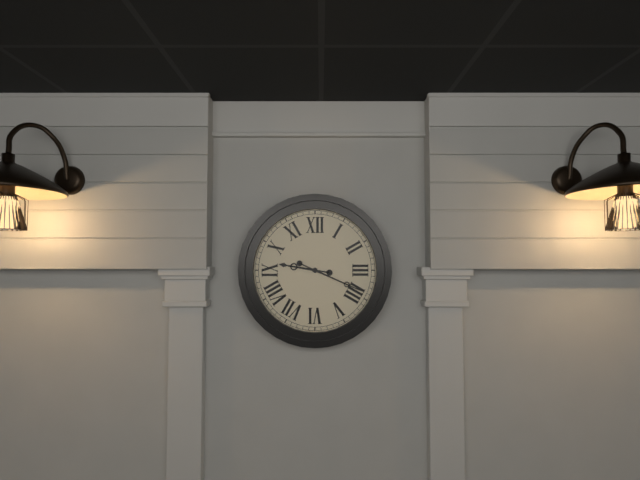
9:19
